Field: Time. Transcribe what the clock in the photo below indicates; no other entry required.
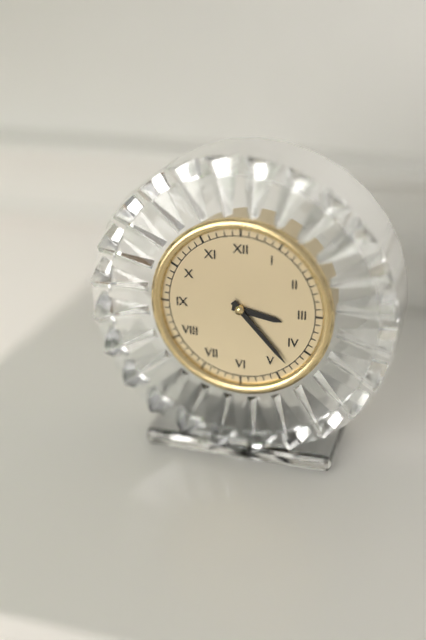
3:23
